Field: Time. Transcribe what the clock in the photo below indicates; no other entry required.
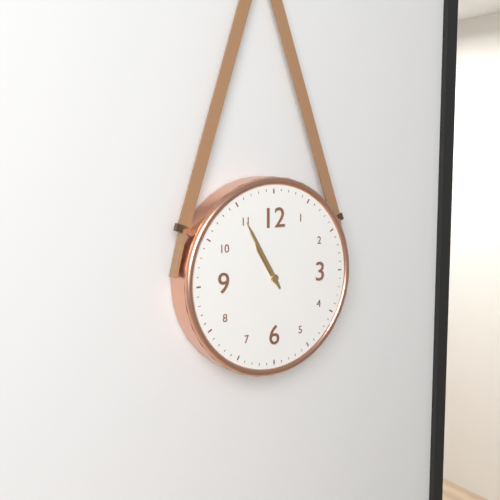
10:55
